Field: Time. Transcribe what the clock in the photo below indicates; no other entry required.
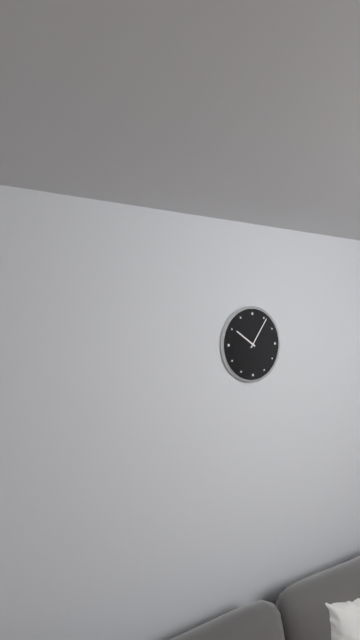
10:06
